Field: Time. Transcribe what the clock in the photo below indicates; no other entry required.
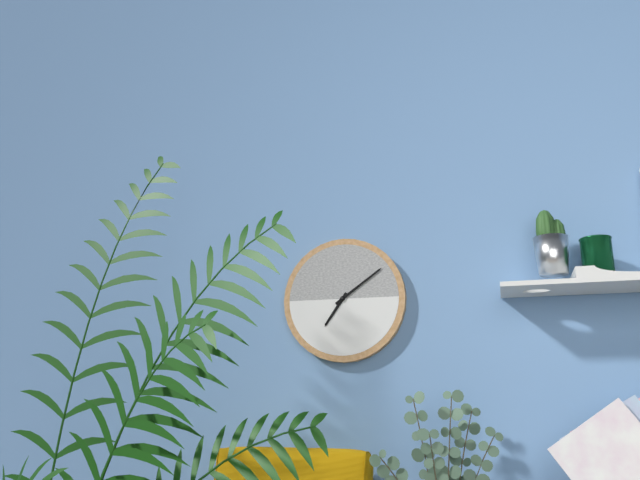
7:09
